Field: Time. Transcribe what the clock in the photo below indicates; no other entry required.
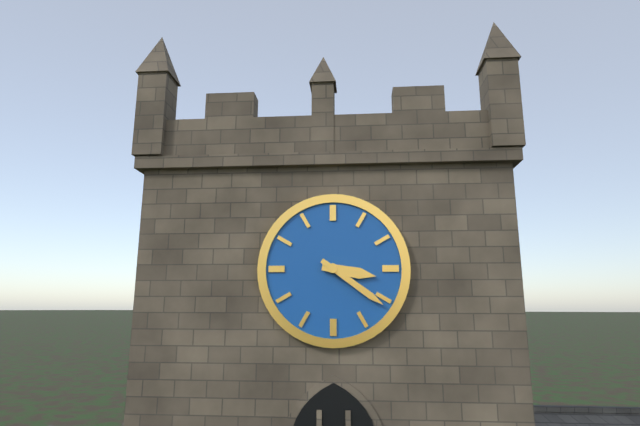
3:21
